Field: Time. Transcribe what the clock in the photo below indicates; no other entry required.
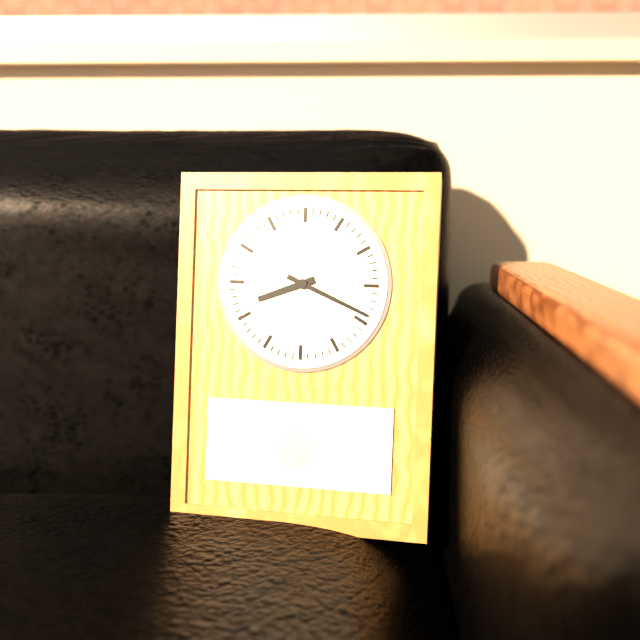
8:19
